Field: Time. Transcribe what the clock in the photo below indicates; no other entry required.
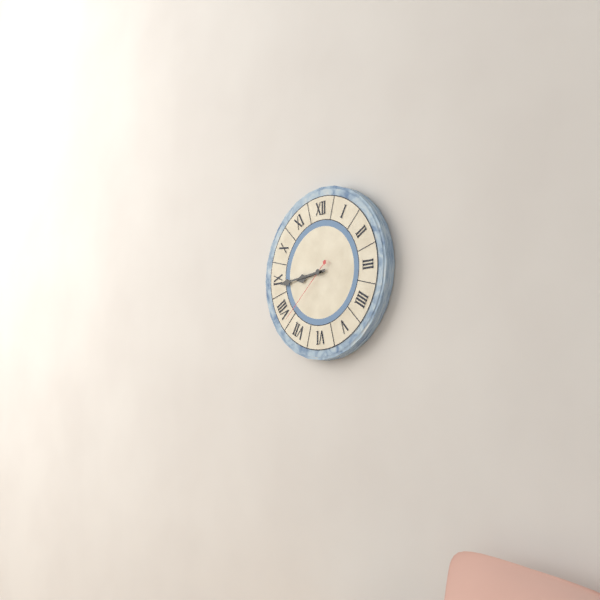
8:44:38
